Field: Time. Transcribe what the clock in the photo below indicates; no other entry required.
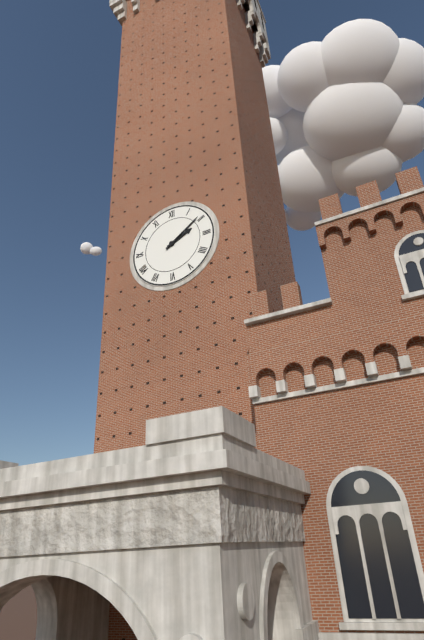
2:09
